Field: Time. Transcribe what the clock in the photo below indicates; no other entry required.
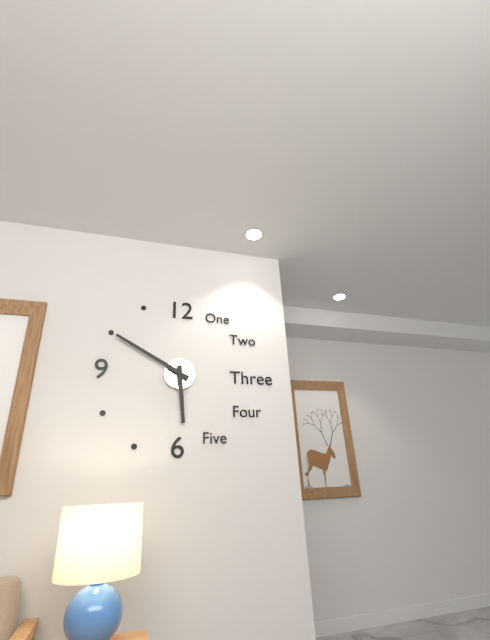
5:50
